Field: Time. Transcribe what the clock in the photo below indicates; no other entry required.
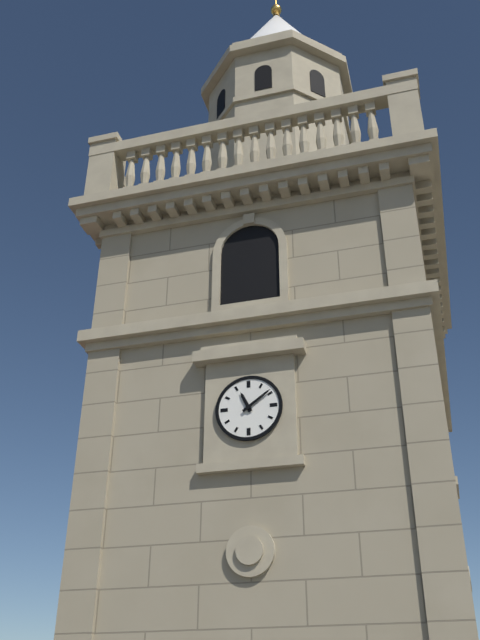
11:09
